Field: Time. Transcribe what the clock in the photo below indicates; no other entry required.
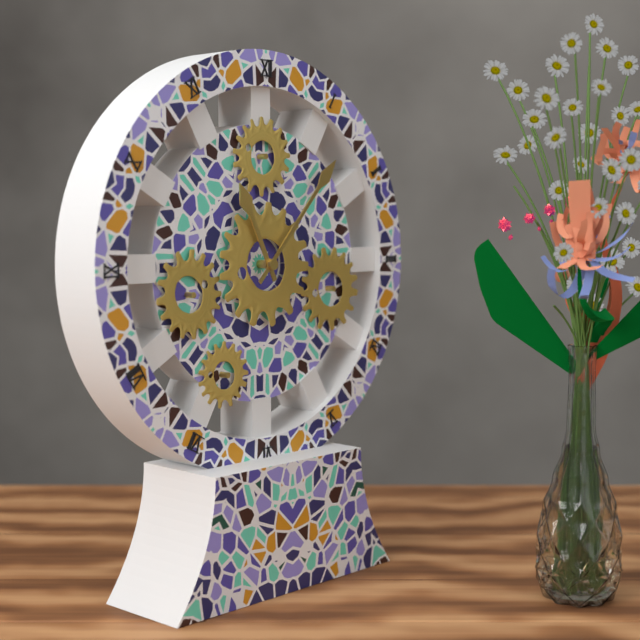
11:07
